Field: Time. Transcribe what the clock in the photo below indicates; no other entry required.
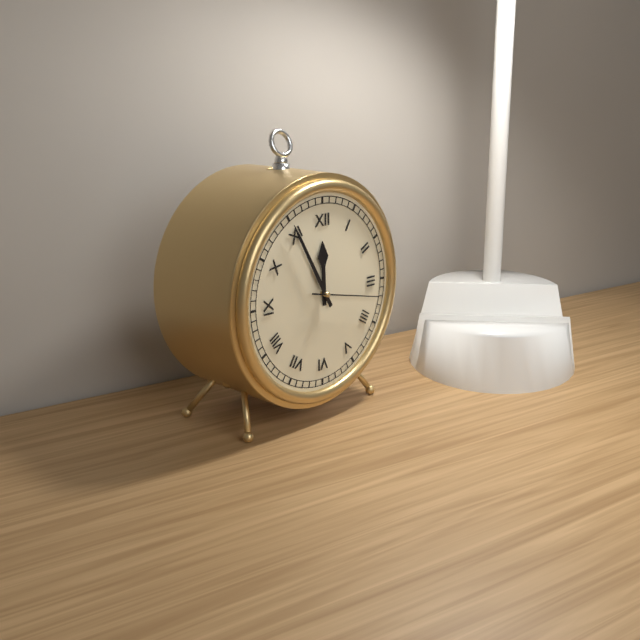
11:55:17
